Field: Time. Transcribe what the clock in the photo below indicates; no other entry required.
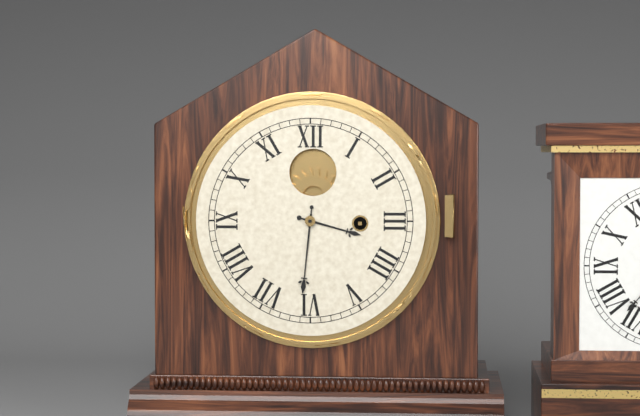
3:31
